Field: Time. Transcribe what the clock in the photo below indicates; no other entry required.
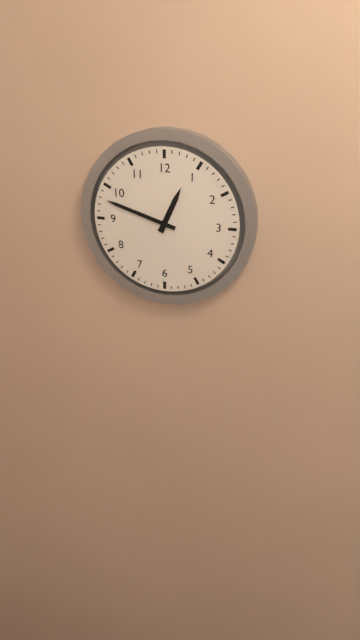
12:48
